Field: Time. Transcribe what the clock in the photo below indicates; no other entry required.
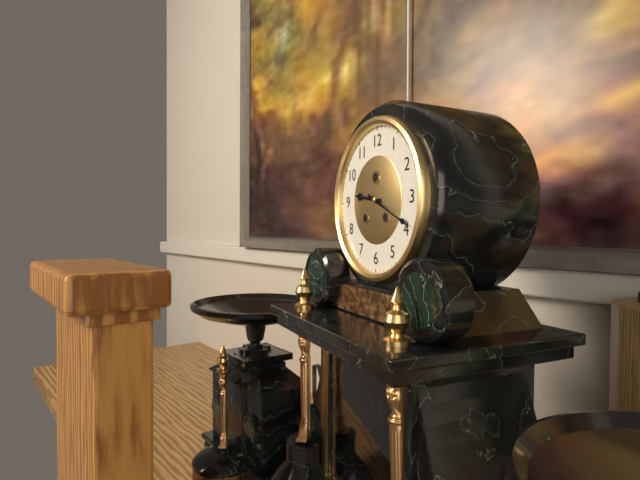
9:19
